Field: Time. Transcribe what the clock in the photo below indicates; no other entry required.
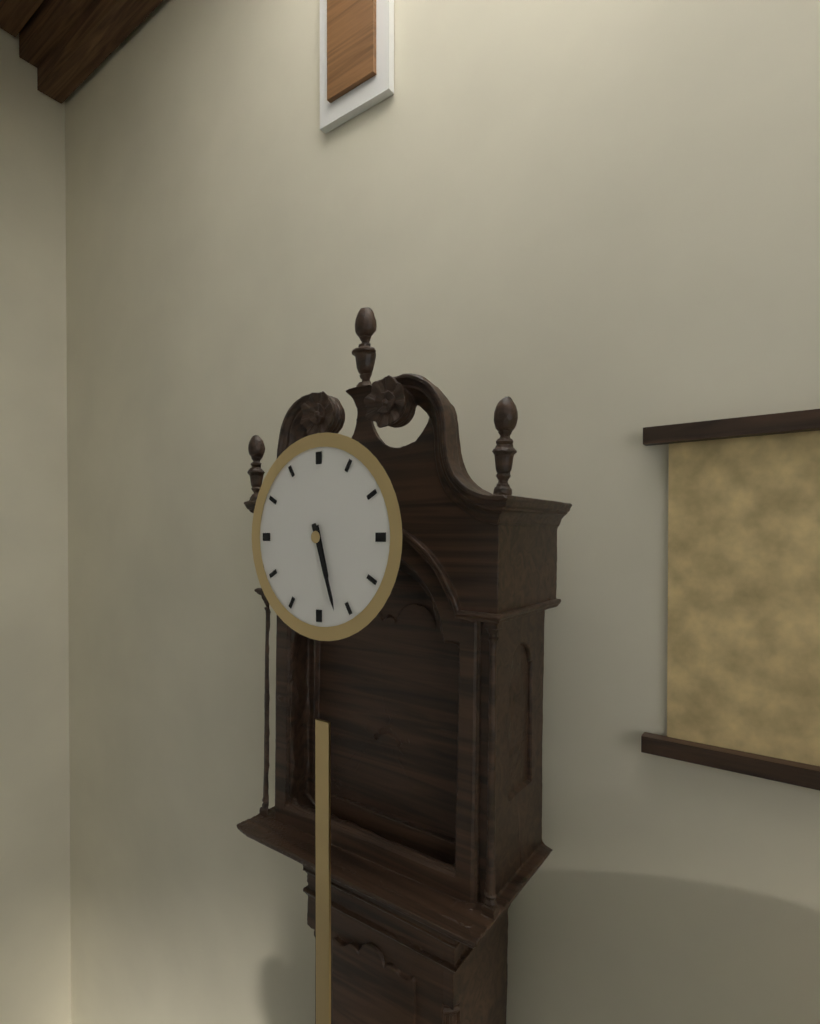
5:27
